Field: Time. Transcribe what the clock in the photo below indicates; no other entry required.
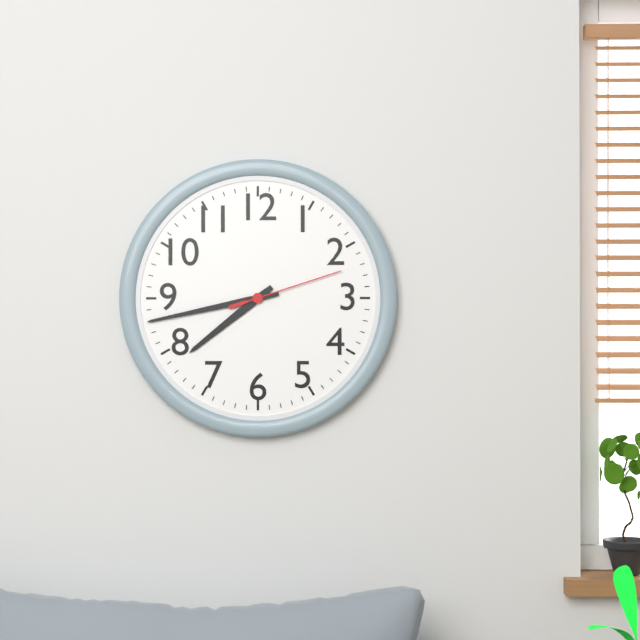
7:43:12
